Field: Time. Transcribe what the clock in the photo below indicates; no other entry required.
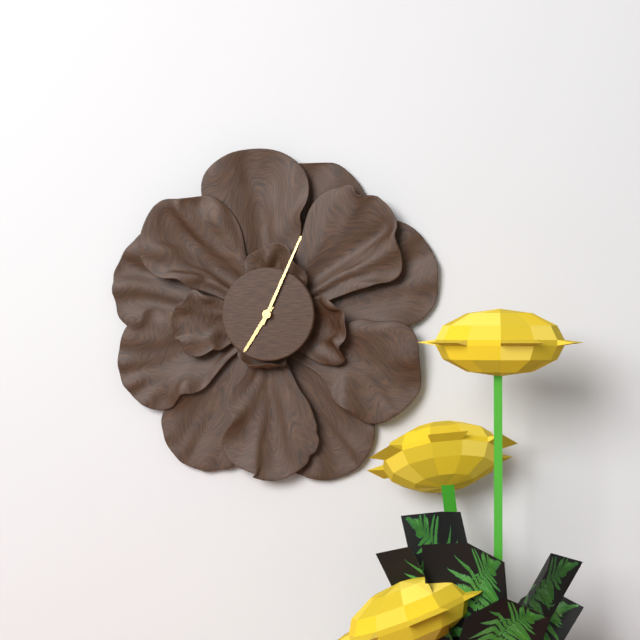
7:04
